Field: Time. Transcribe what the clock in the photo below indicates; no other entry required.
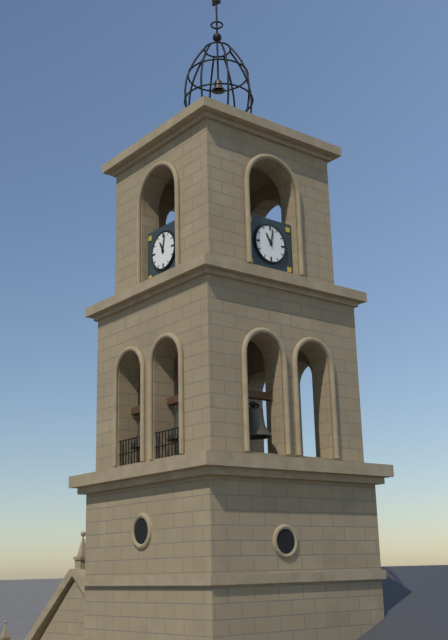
11:02
